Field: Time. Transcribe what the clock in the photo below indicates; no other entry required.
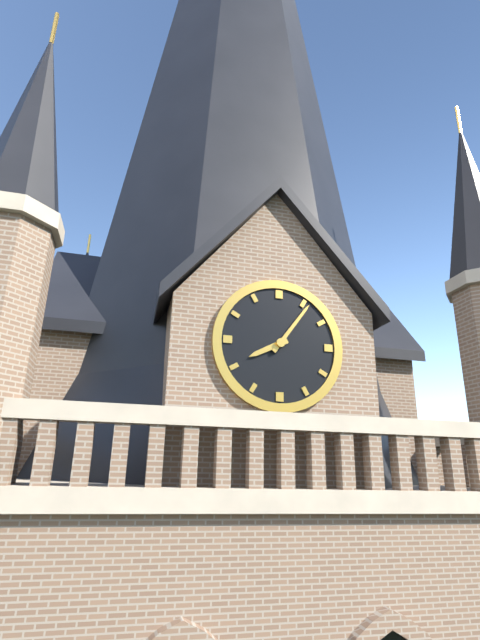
8:06
